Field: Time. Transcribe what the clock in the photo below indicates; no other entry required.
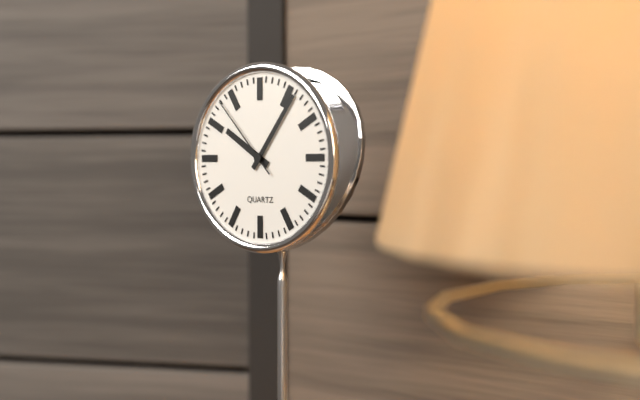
10:06:53
